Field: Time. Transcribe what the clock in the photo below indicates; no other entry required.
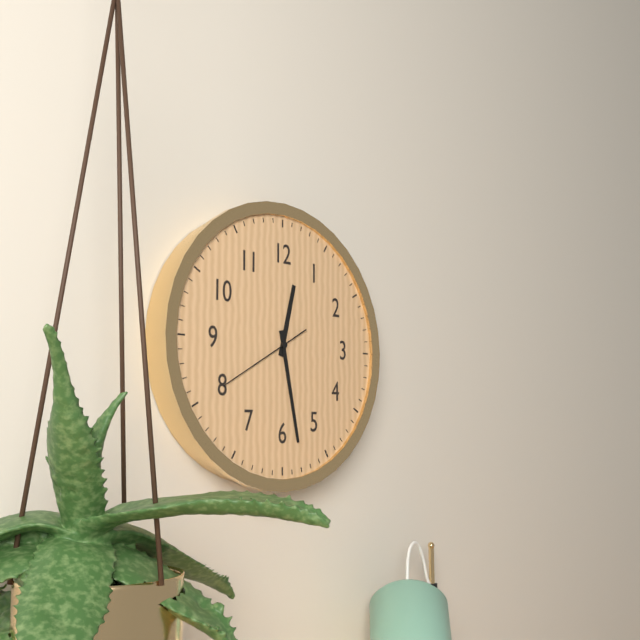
12:28:40
